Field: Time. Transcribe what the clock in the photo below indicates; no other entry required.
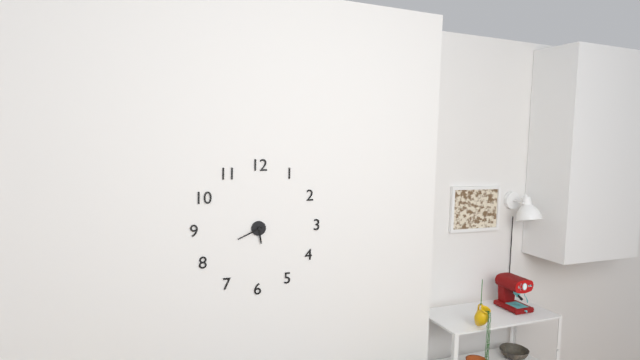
5:41
